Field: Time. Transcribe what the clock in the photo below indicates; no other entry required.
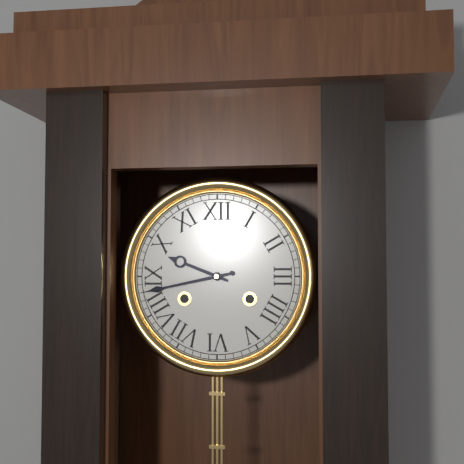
9:43
